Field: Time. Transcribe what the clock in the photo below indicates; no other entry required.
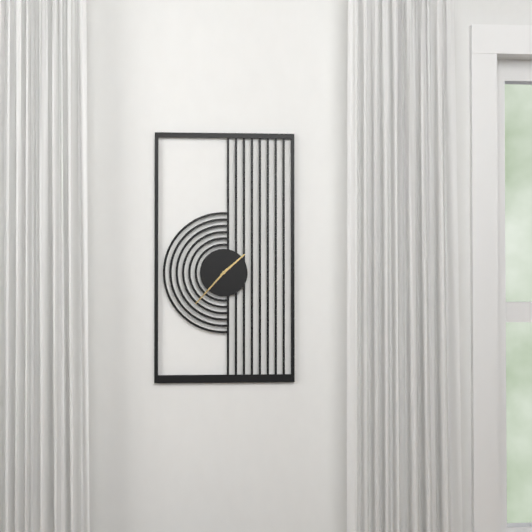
1:37
